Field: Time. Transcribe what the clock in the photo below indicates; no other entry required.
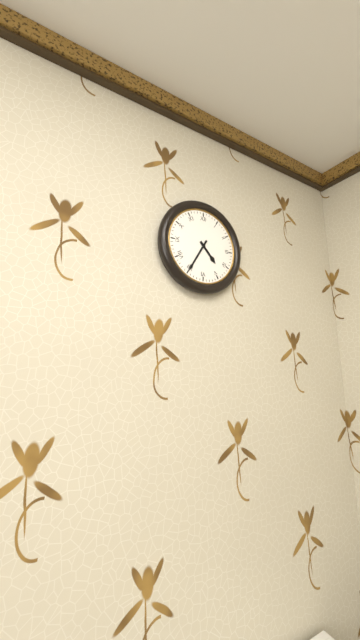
4:35
